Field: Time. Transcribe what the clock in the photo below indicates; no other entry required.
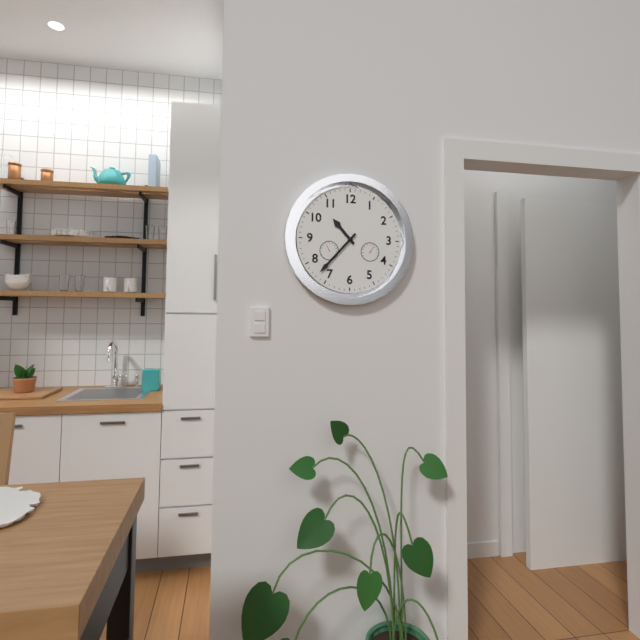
10:37
